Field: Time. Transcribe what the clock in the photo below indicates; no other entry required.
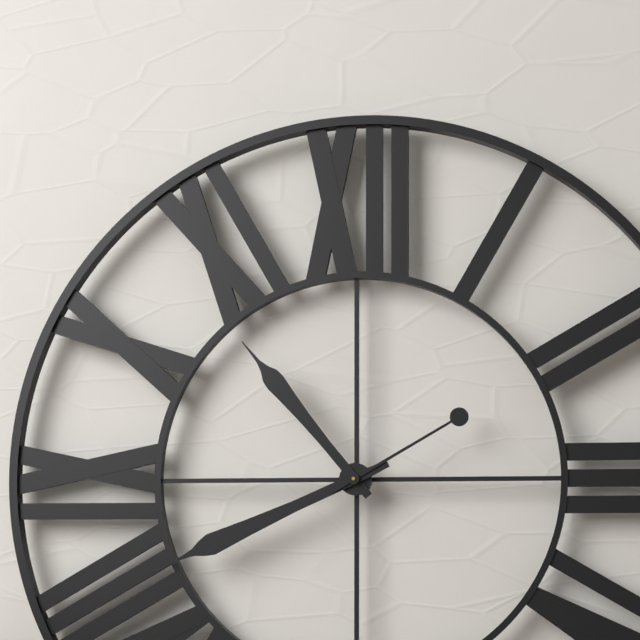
10:41:10
